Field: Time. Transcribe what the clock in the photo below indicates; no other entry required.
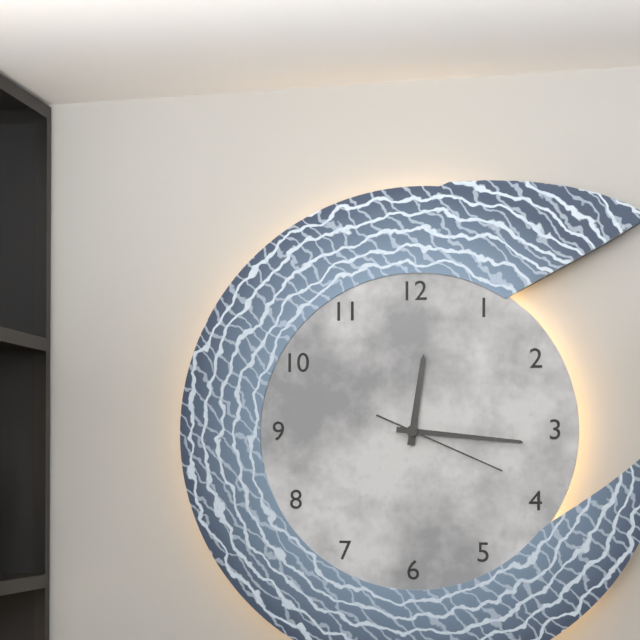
12:16:19
